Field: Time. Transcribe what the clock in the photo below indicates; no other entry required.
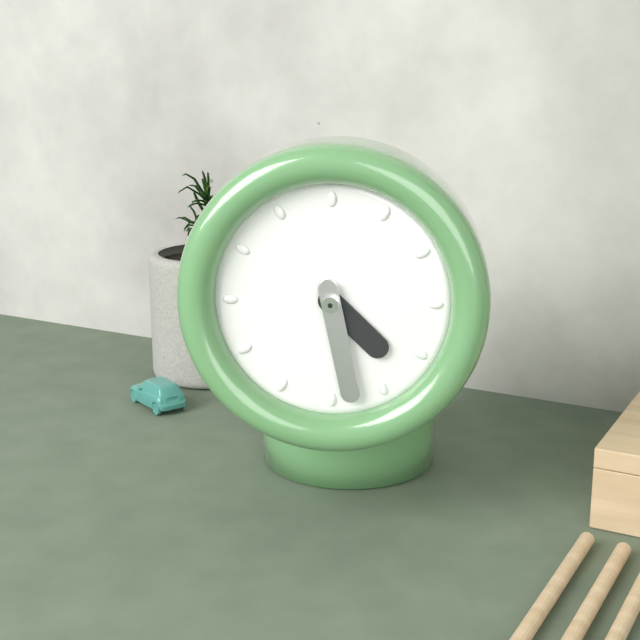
4:28
